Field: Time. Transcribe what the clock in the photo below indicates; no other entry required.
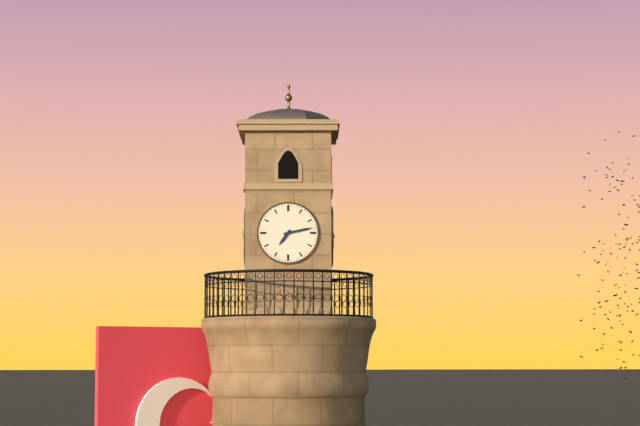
7:13
